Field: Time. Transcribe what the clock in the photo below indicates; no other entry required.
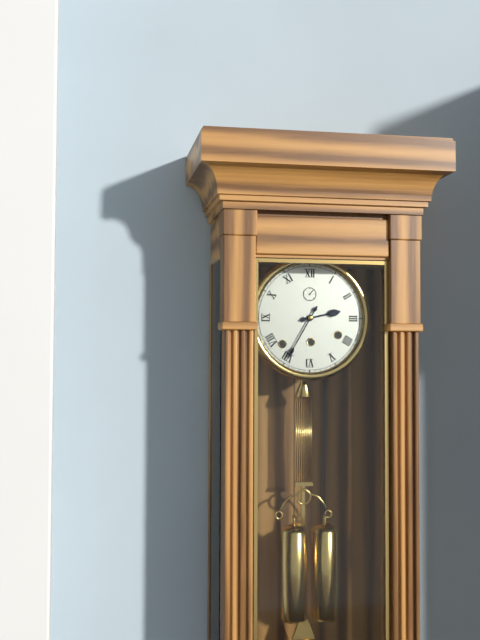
2:35
